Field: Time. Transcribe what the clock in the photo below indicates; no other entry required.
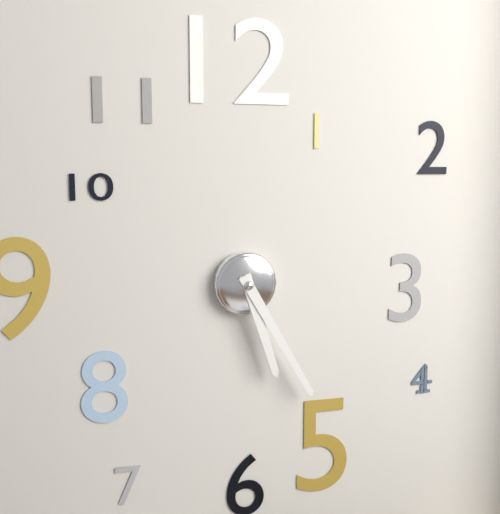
5:25
